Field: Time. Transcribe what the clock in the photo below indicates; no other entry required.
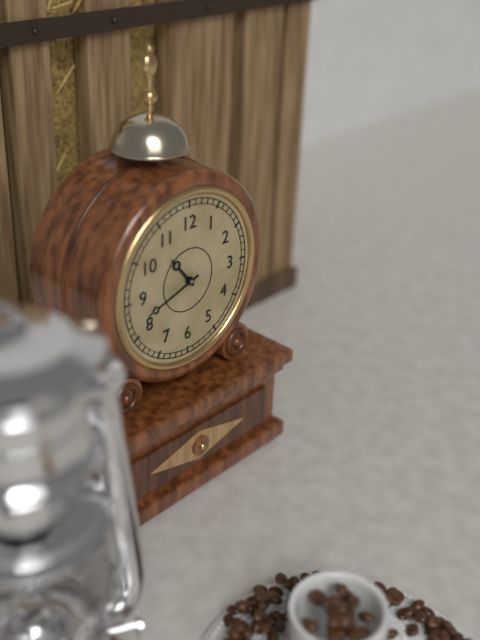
10:42
